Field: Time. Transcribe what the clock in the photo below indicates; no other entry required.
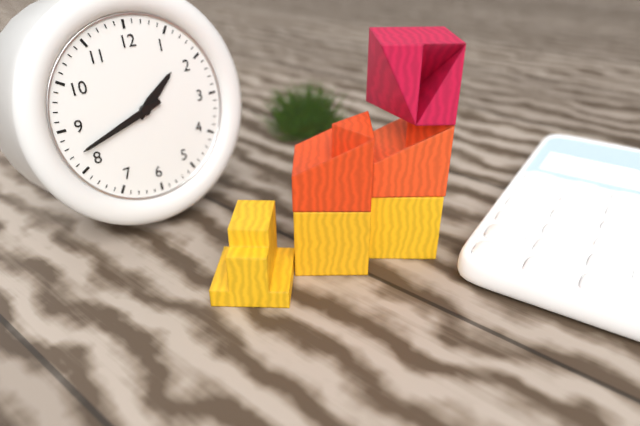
1:42
